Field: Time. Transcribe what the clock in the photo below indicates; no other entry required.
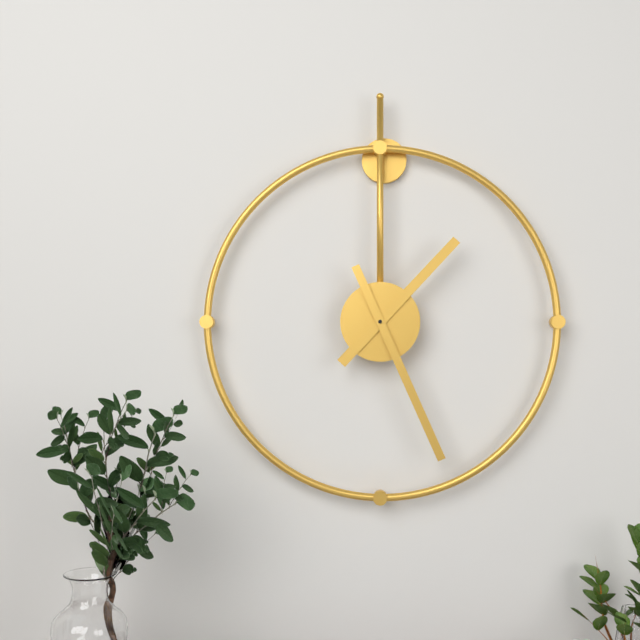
1:26
